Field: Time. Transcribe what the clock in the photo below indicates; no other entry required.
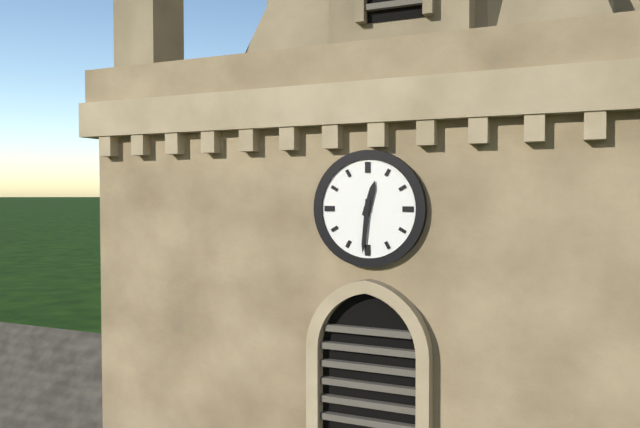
12:31
